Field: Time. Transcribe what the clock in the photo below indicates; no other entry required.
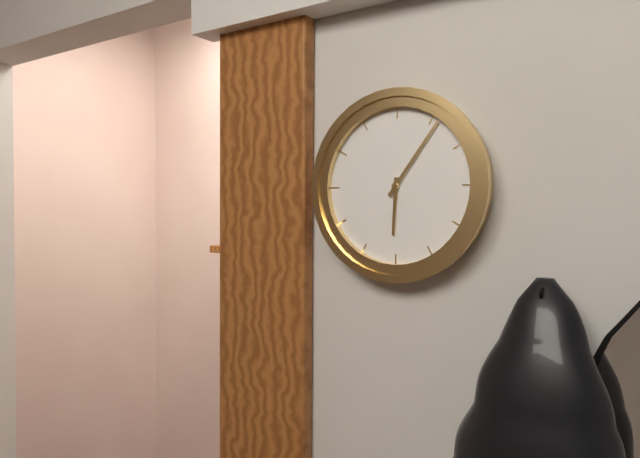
6:06
